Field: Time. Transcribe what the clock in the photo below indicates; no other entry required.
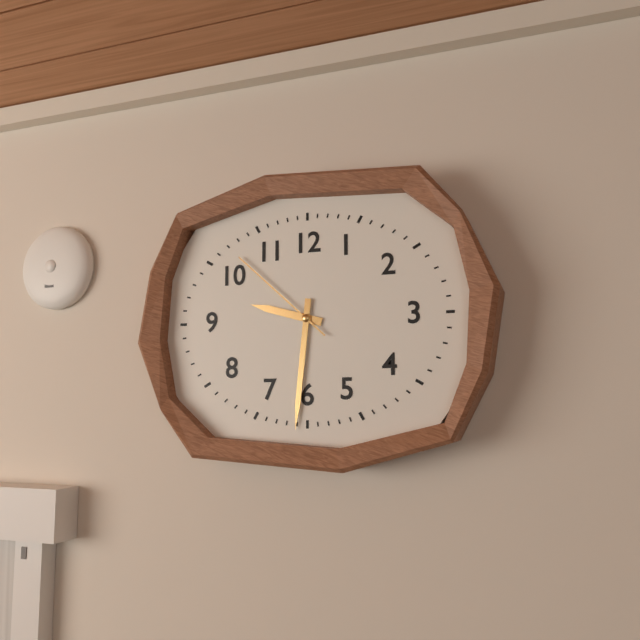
9:31:52
